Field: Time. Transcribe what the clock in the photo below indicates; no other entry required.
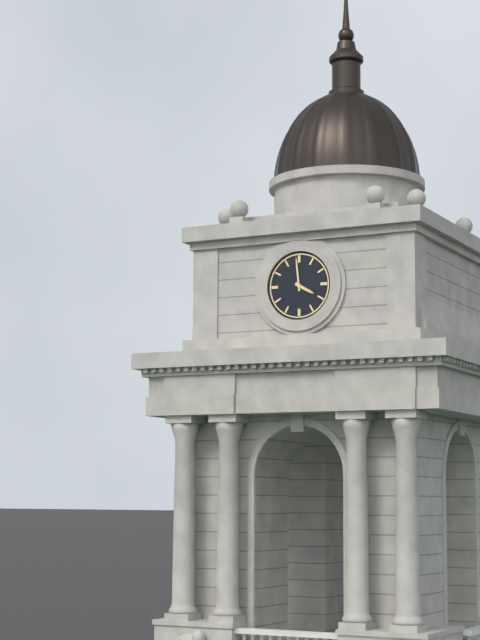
3:59
